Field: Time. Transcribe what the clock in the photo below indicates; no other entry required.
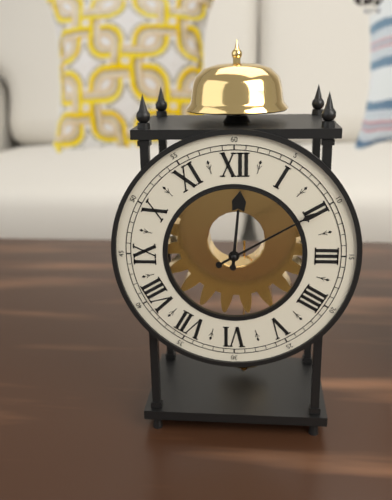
12:10
